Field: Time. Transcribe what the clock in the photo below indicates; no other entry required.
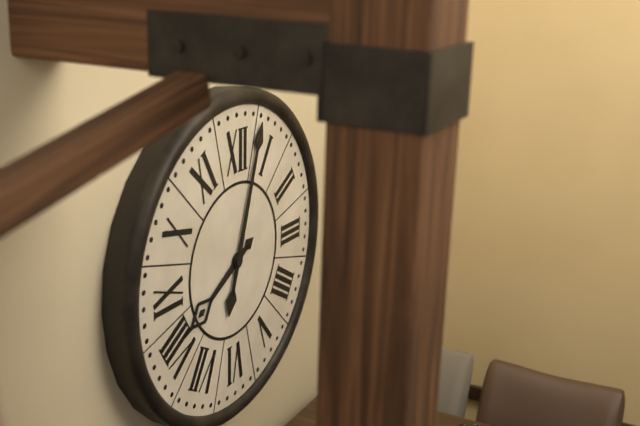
8:03
